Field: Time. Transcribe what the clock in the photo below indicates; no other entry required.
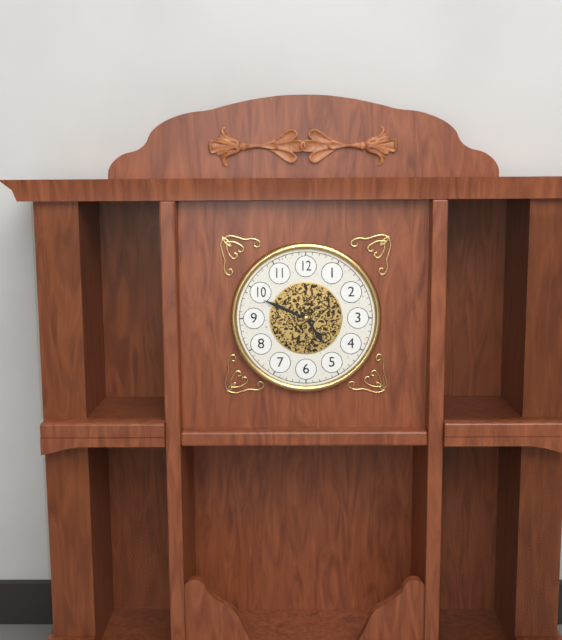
4:49
